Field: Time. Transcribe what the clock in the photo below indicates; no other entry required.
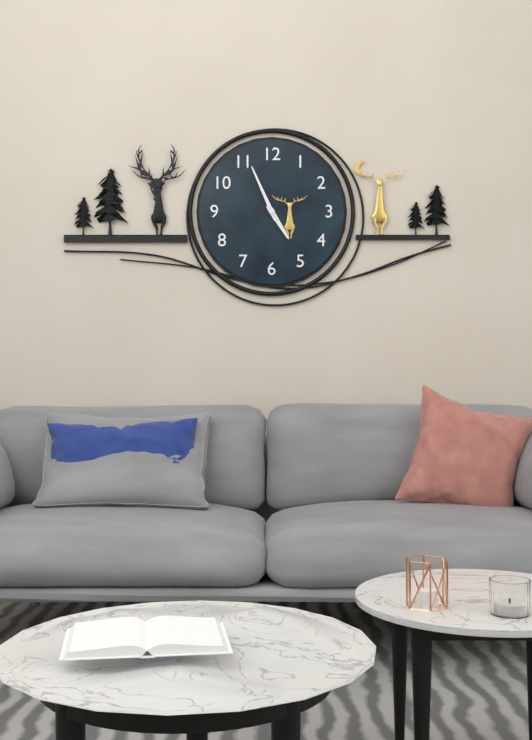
4:56
